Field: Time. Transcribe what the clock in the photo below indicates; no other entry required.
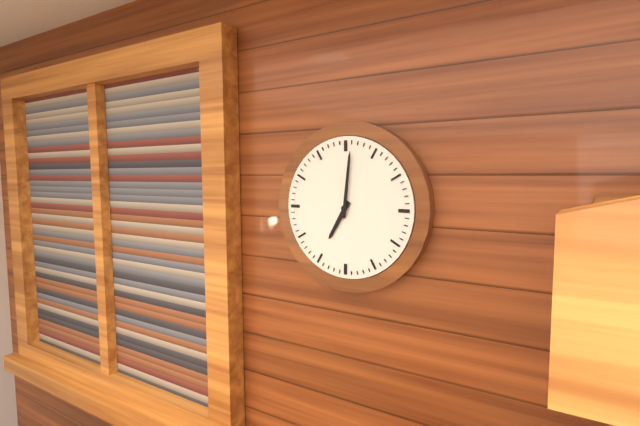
7:01
